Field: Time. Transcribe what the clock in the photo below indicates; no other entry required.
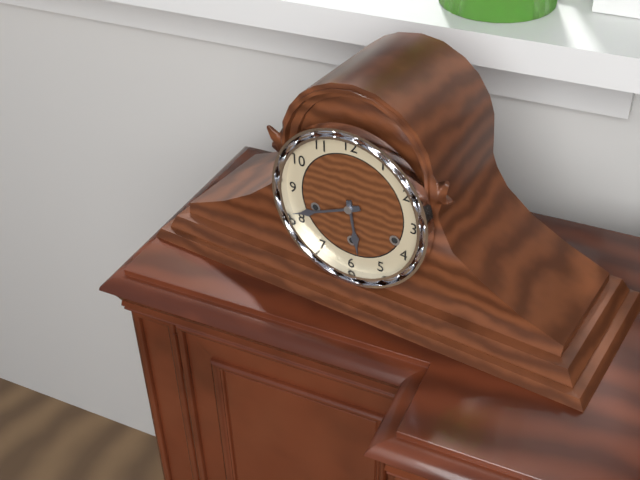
5:41
